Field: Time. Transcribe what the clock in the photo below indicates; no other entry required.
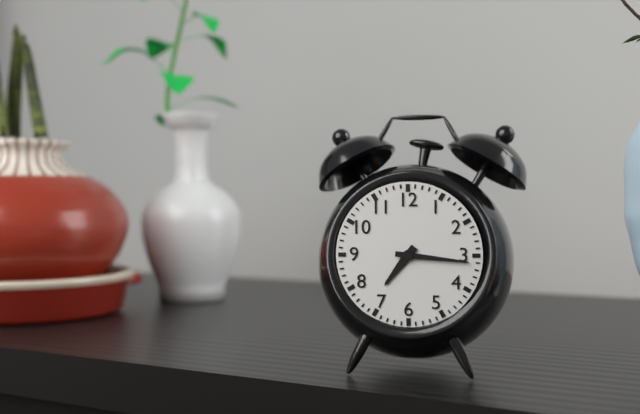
7:16
